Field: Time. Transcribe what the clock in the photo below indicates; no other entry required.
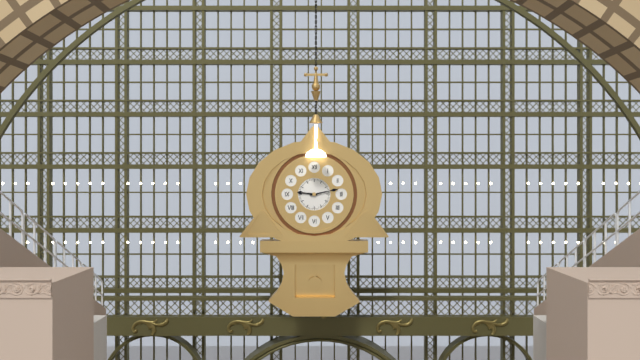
9:13
